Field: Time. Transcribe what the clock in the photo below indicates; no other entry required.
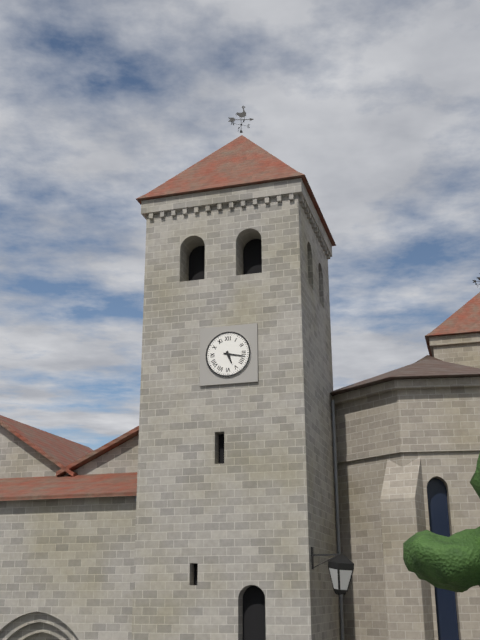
5:17
